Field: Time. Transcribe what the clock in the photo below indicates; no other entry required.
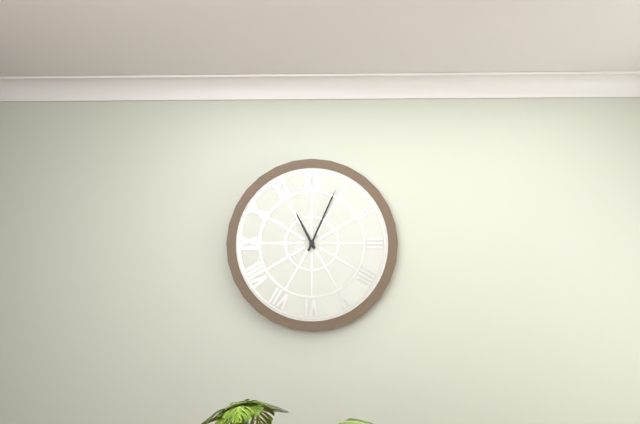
11:04
